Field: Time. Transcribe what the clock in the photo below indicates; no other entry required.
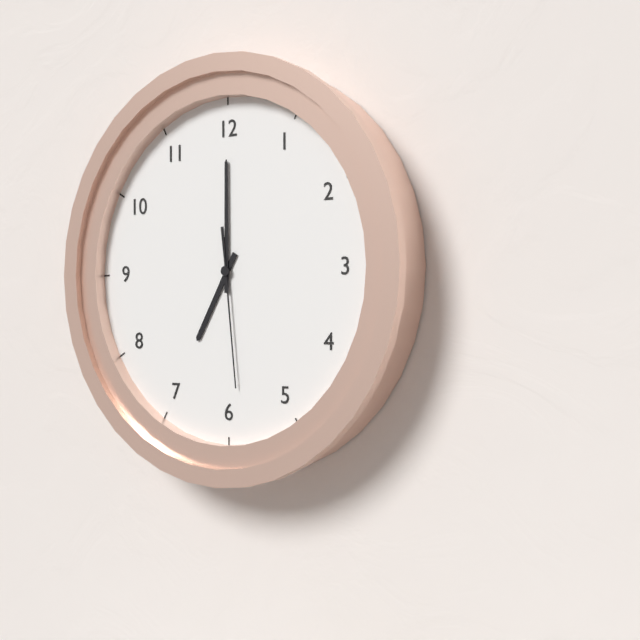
7:00:29
